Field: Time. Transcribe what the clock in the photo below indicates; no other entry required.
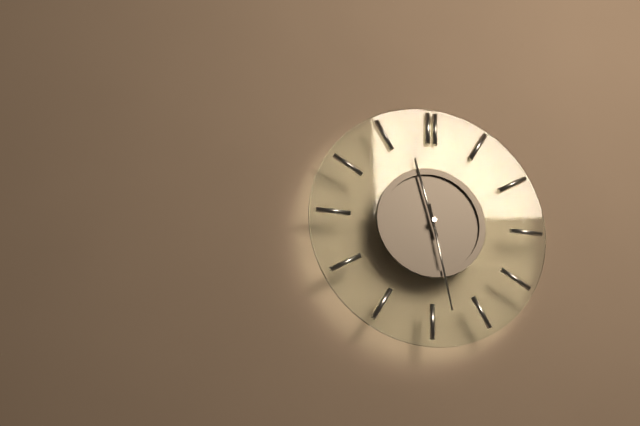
11:28
